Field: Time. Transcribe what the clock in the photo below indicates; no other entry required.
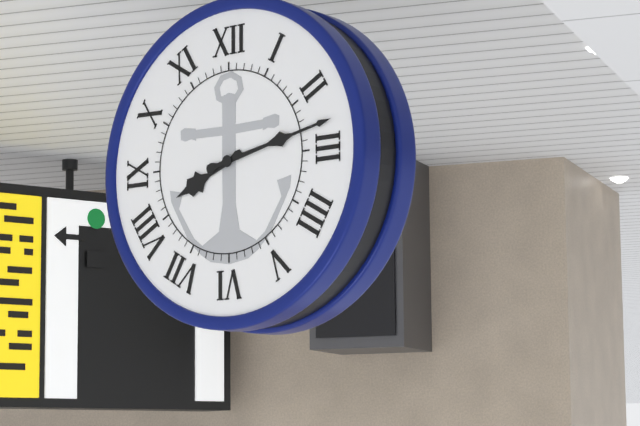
8:13
